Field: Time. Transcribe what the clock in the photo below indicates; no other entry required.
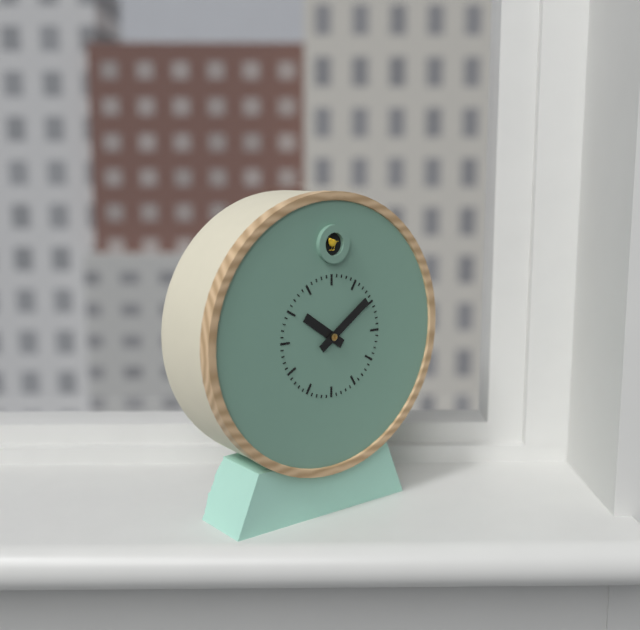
10:09
